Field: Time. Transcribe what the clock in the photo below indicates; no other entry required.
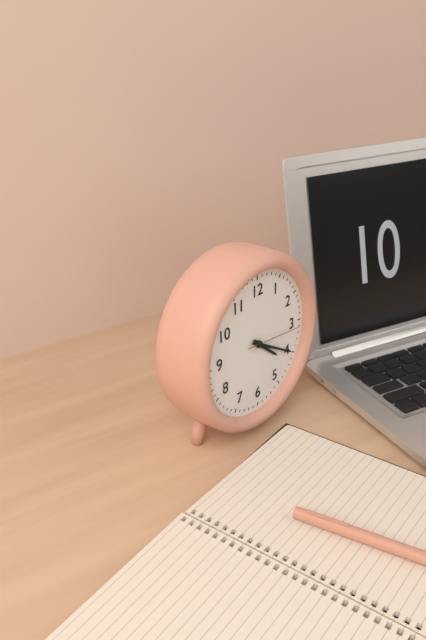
4:20:16
